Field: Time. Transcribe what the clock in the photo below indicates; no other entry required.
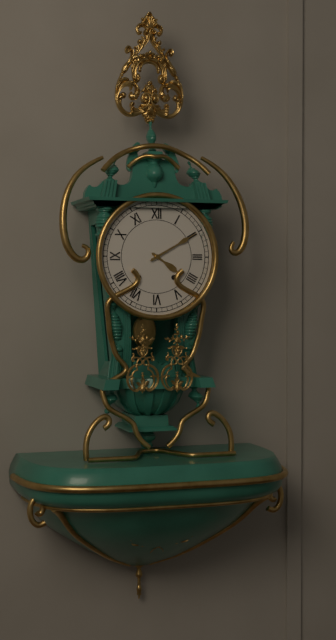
4:10
